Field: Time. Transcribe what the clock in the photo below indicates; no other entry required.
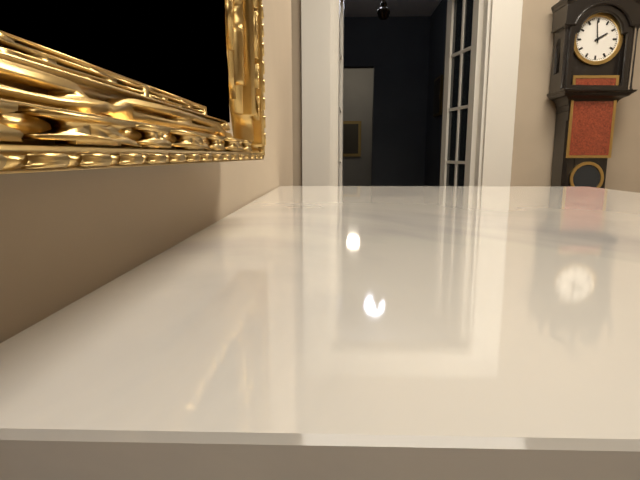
1:59
